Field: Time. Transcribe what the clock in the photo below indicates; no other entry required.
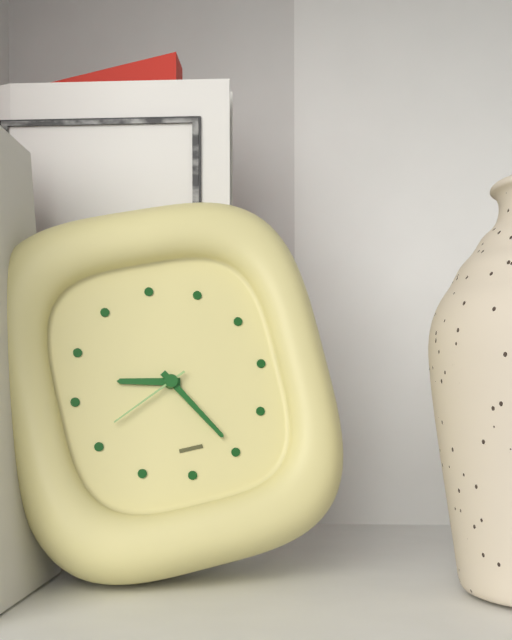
9:25:41
